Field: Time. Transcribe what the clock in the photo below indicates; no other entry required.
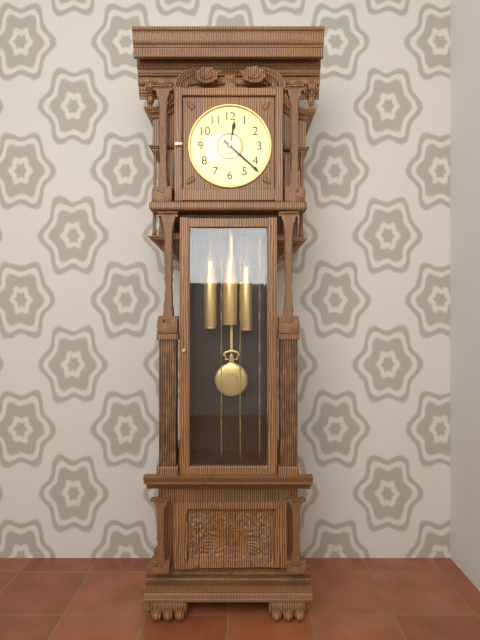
12:22
